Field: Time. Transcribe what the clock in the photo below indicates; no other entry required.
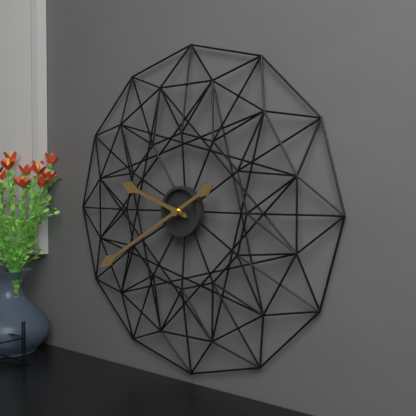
9:40
